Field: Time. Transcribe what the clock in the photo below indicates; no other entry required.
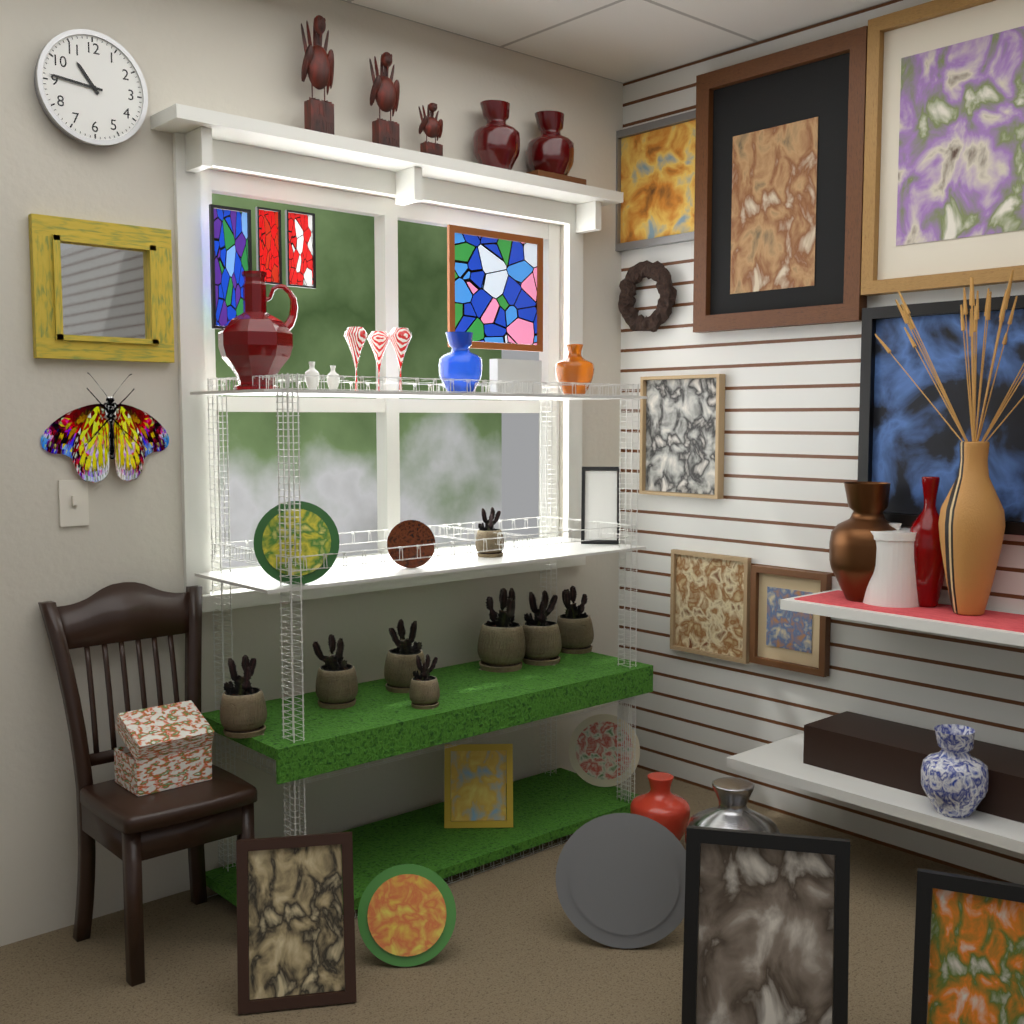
10:46
